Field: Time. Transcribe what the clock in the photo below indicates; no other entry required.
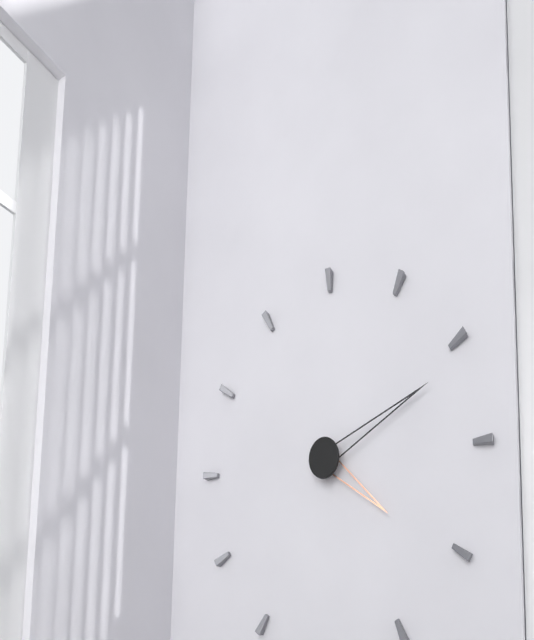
4:11
